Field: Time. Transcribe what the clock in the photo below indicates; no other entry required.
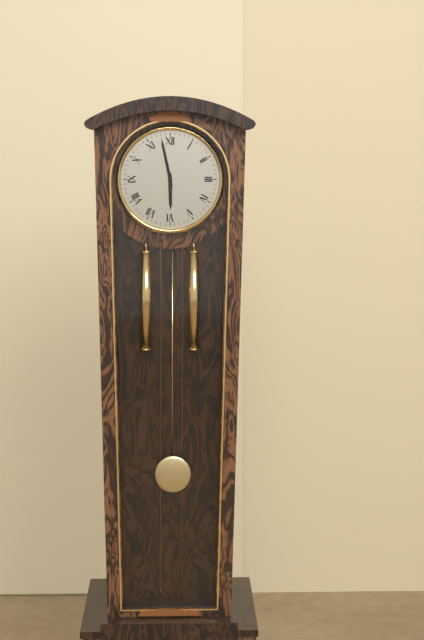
5:58
